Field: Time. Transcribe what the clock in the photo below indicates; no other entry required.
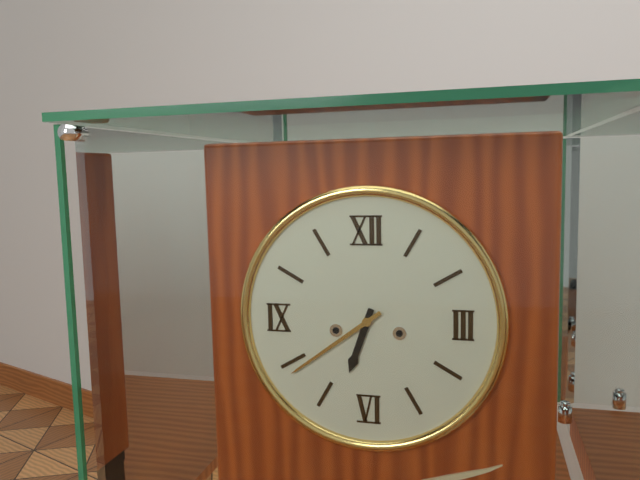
6:39
